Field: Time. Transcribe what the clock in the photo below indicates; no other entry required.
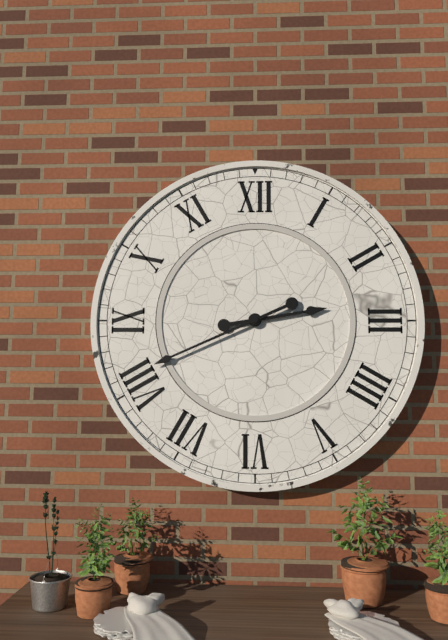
2:41
